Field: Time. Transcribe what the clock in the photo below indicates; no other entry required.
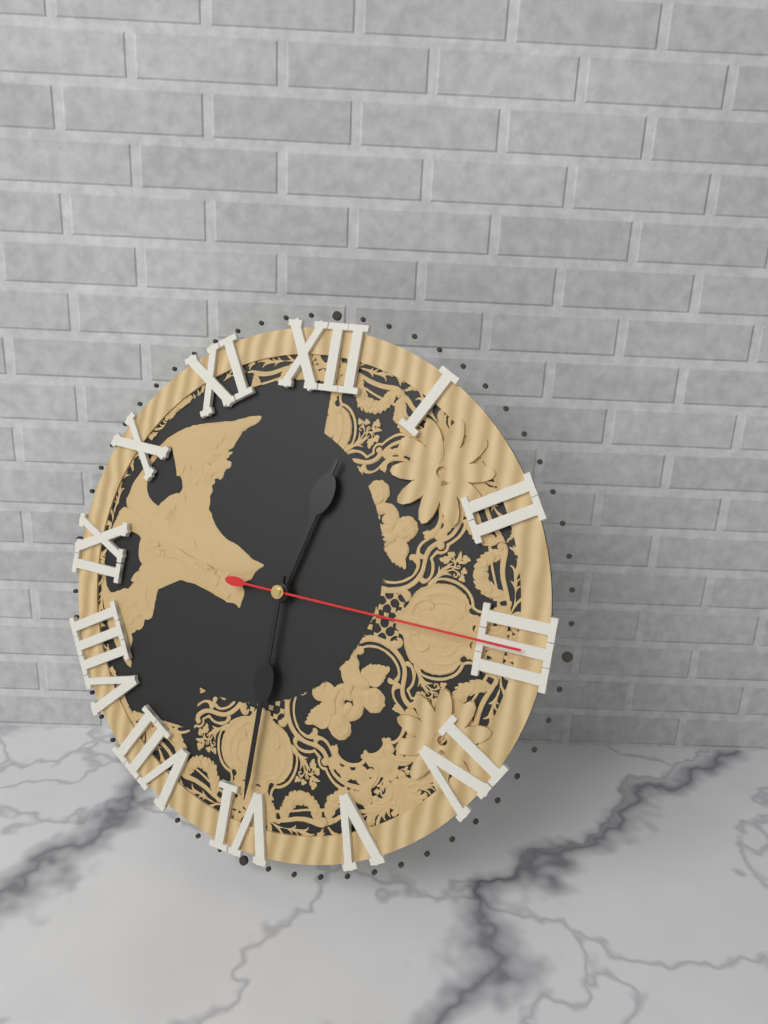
12:30:15
